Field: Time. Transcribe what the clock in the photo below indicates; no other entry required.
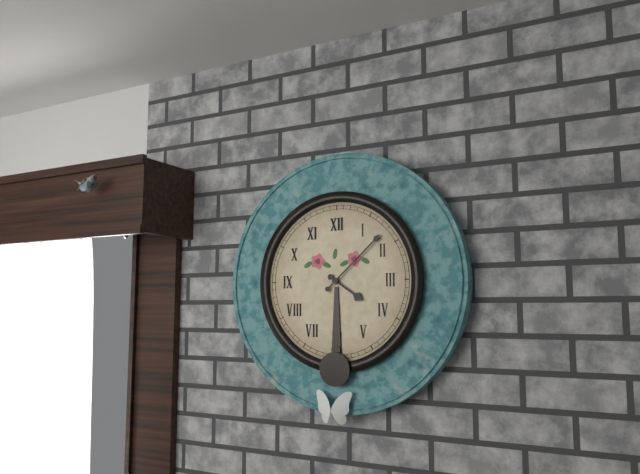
4:08
